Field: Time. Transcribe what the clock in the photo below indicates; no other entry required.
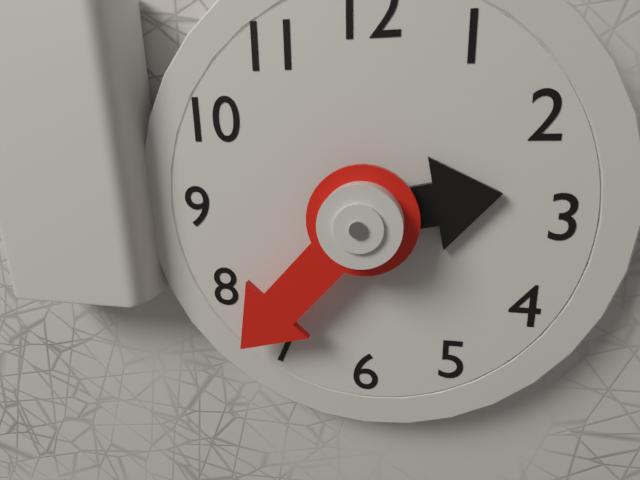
2:37
